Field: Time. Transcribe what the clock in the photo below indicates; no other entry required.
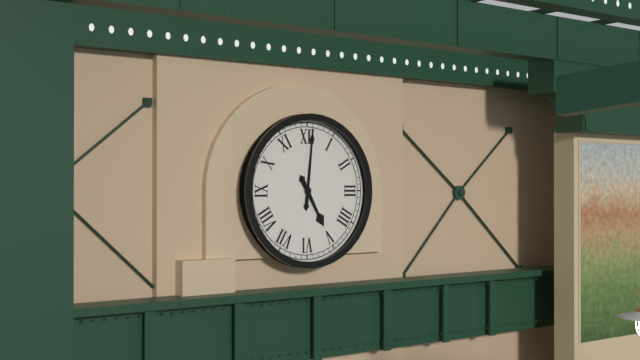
5:01
